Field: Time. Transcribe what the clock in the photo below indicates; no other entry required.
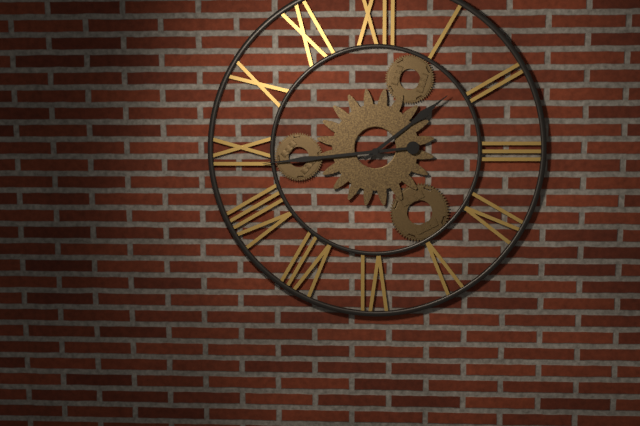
1:44
